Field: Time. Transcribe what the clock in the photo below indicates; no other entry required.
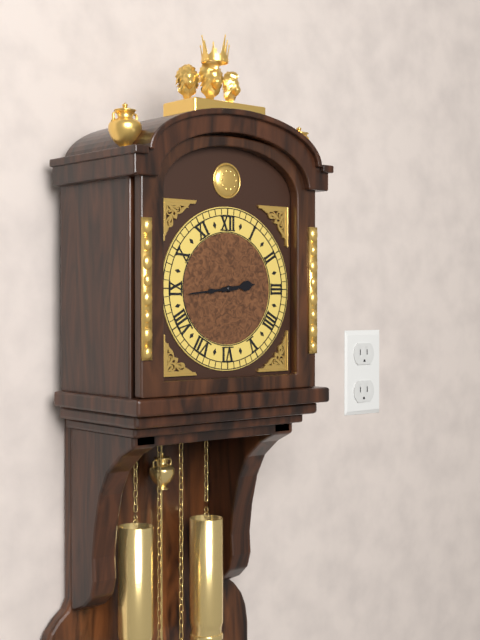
2:44
